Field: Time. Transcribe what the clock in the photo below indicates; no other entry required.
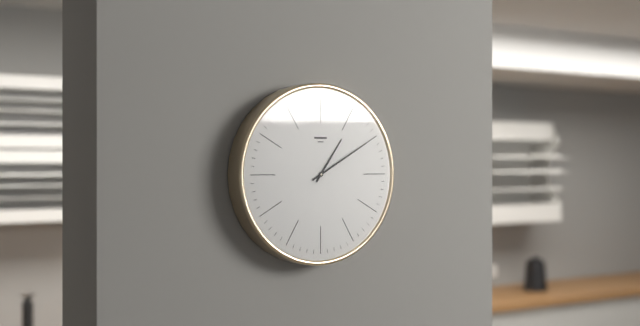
1:10
